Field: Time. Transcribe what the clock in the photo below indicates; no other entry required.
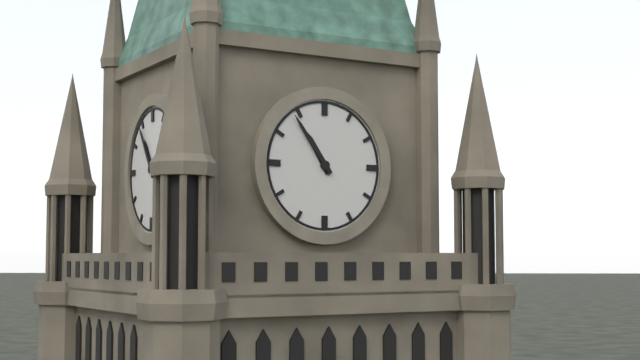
10:54
